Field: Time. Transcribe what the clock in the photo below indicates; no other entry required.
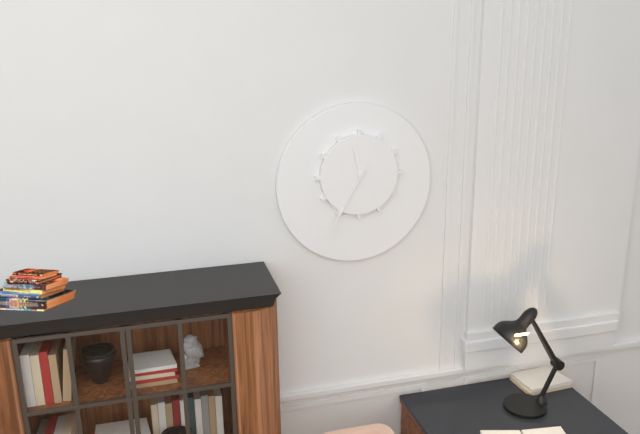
11:35
